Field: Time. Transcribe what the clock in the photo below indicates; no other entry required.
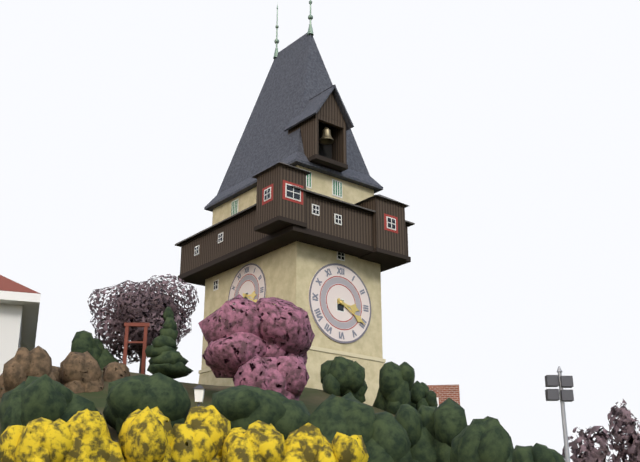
3:20
